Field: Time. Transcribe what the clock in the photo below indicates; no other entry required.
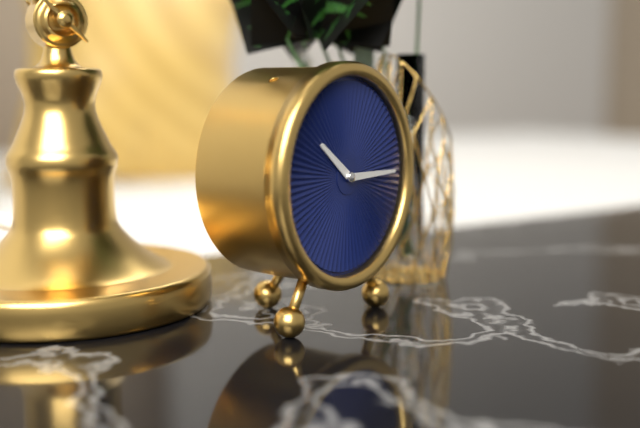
10:15
